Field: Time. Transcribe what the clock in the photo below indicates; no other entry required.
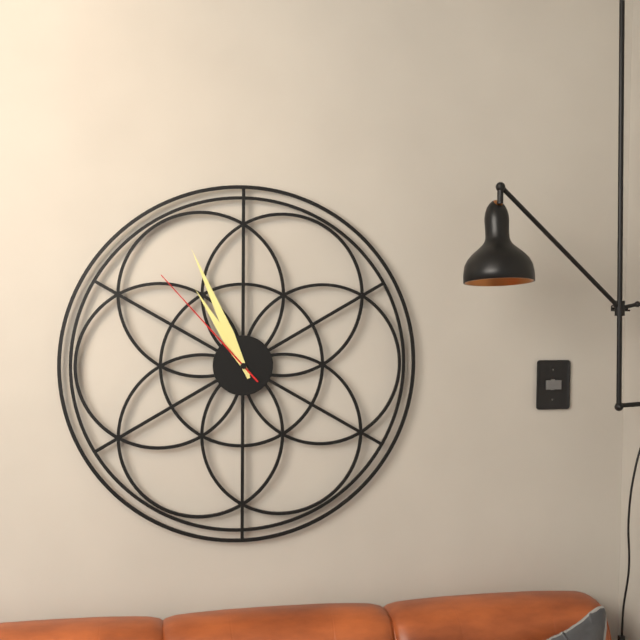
10:56:53
